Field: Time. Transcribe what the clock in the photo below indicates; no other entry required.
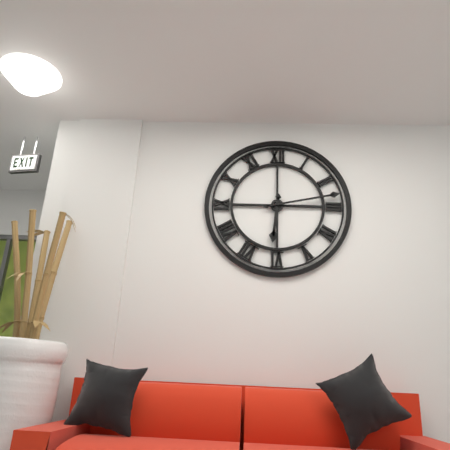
6:13
